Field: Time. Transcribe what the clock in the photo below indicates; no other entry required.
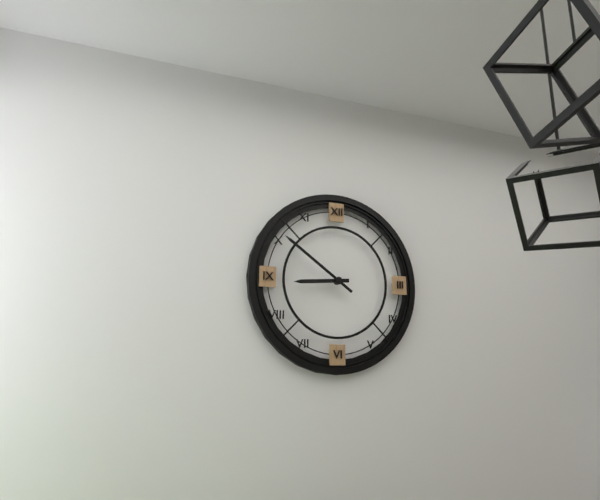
8:51
